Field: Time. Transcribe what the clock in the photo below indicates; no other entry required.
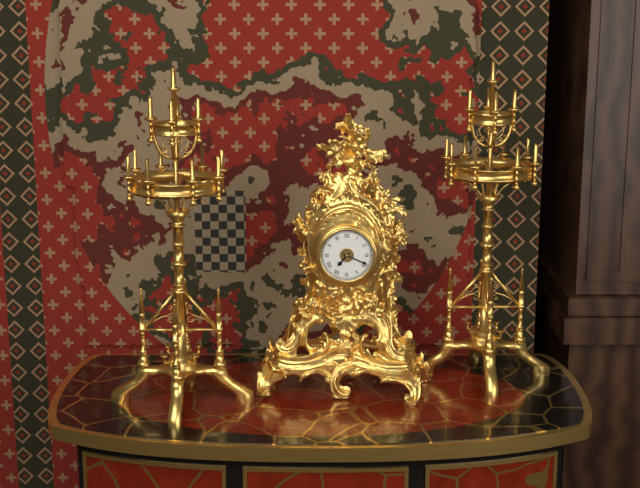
7:19
